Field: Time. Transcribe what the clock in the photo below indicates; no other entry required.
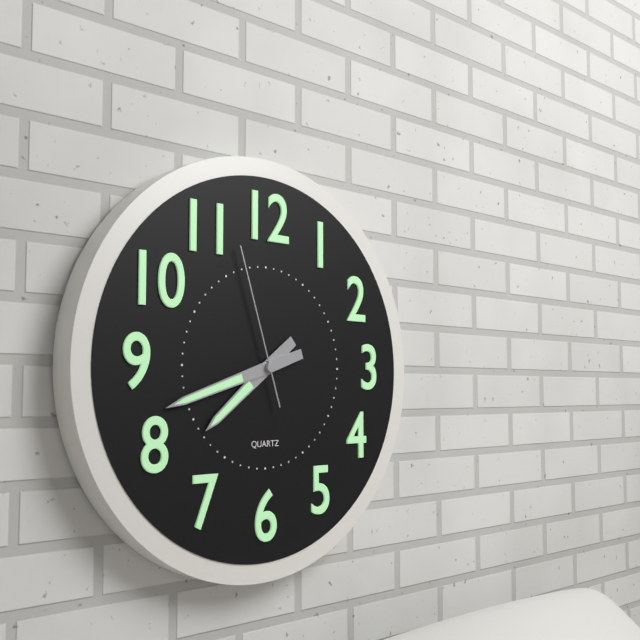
7:42:57
